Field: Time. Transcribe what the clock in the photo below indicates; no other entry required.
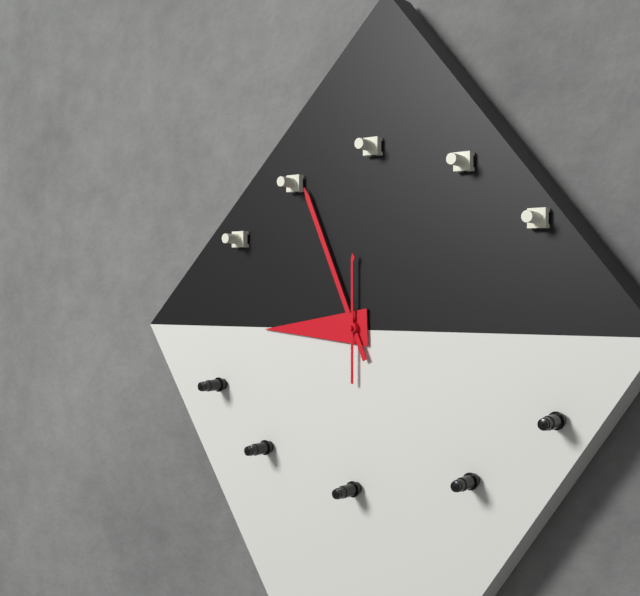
8:56:00
